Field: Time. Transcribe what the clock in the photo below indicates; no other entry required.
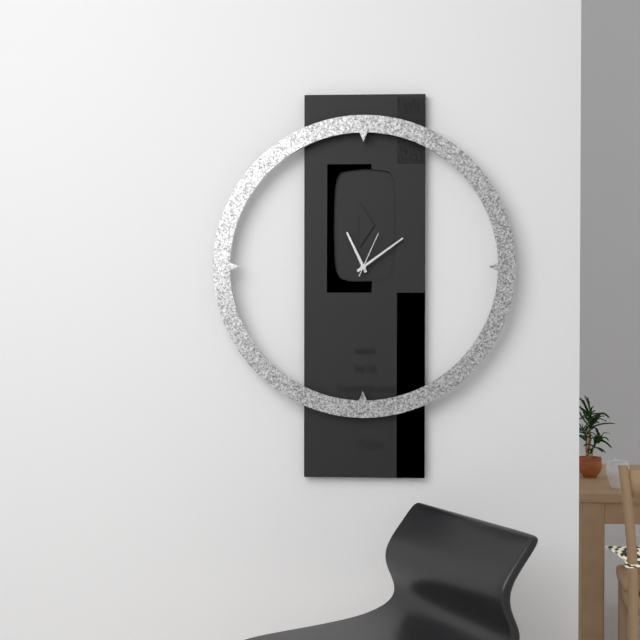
11:09
